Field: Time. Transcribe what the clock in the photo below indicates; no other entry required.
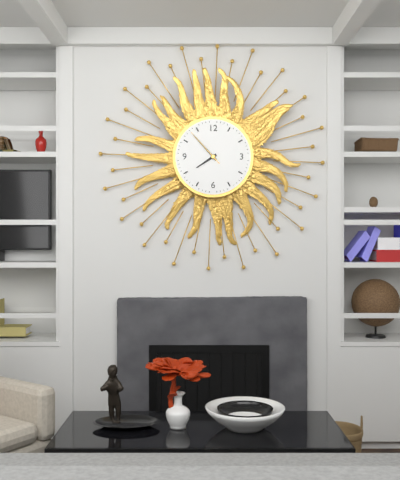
7:53
